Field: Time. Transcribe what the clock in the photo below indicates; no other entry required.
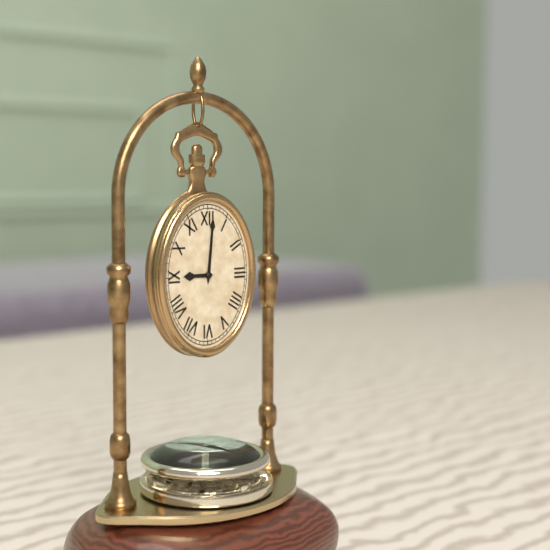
9:01
